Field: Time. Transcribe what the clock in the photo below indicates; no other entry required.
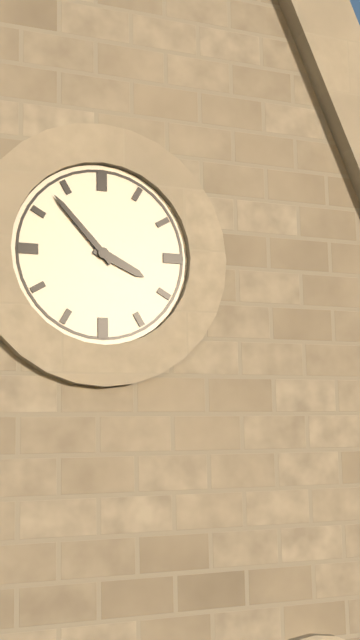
3:53
